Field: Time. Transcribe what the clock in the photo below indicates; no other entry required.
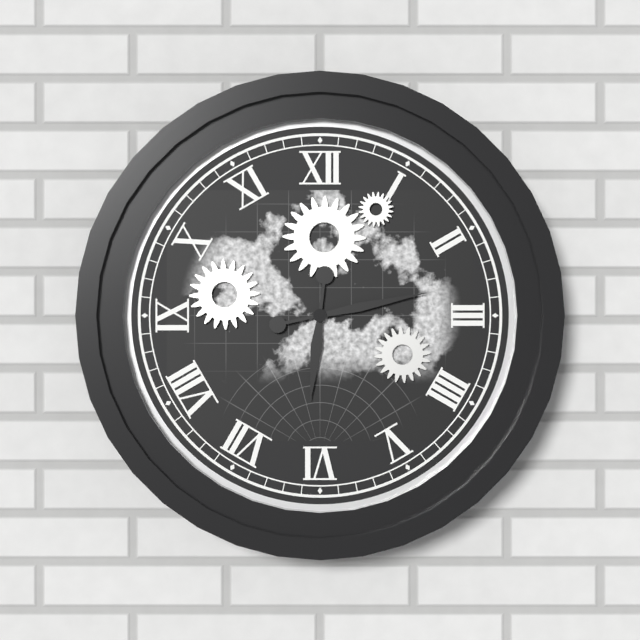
6:13
